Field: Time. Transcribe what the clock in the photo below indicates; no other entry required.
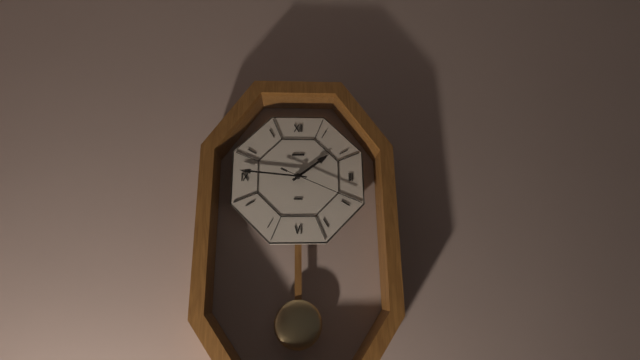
1:46:19
